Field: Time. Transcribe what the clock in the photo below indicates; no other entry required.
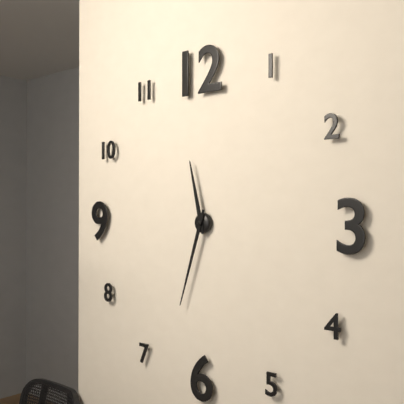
11:33
